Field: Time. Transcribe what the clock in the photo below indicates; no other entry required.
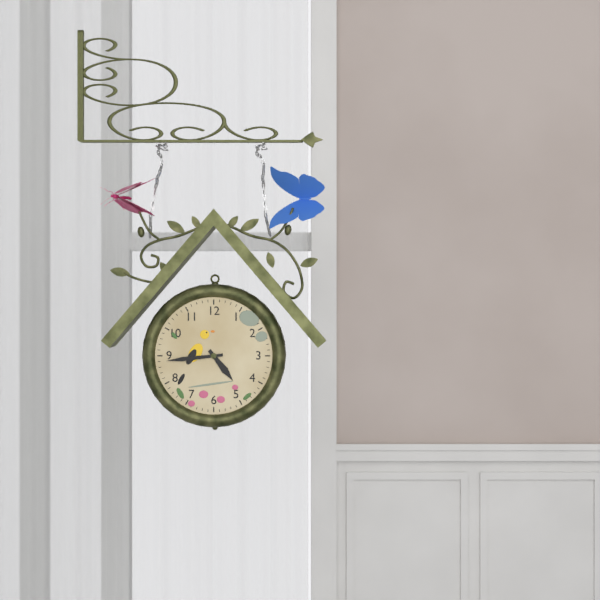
4:44
